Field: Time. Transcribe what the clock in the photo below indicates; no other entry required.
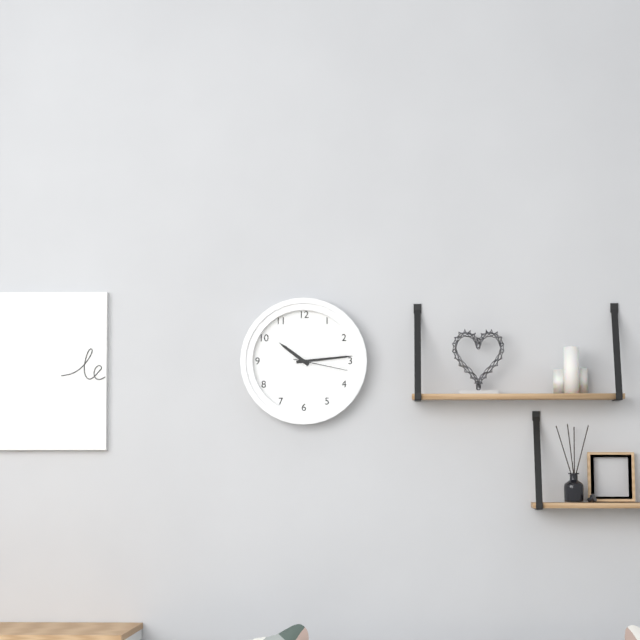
10:14:17
